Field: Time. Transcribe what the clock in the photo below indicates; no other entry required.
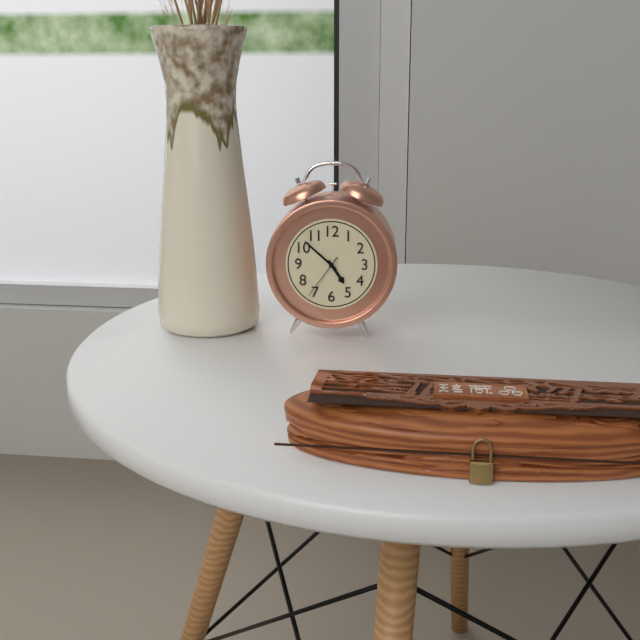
4:52
